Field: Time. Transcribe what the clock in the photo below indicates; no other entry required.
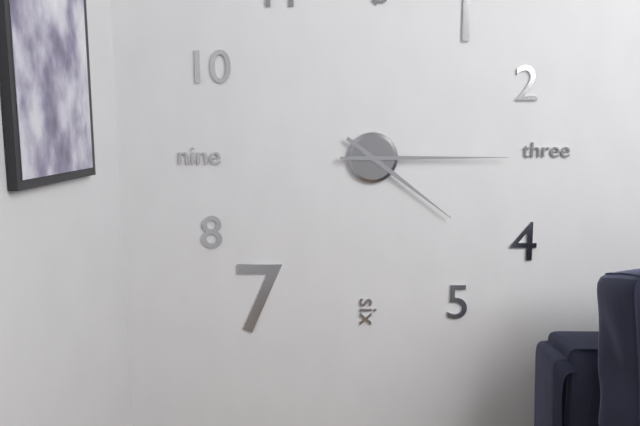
4:15
